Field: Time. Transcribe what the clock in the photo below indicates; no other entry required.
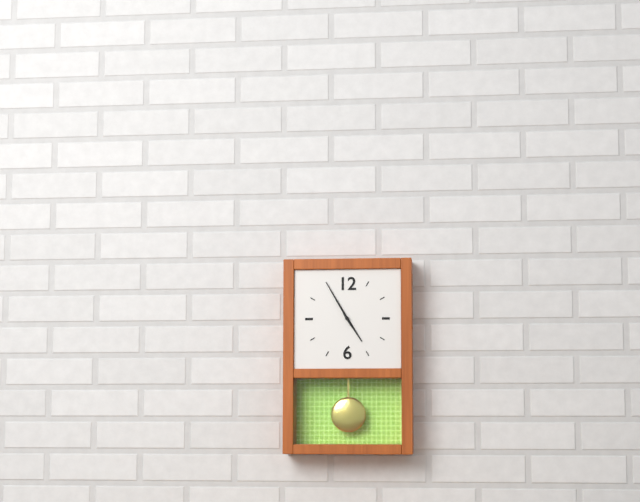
4:55
